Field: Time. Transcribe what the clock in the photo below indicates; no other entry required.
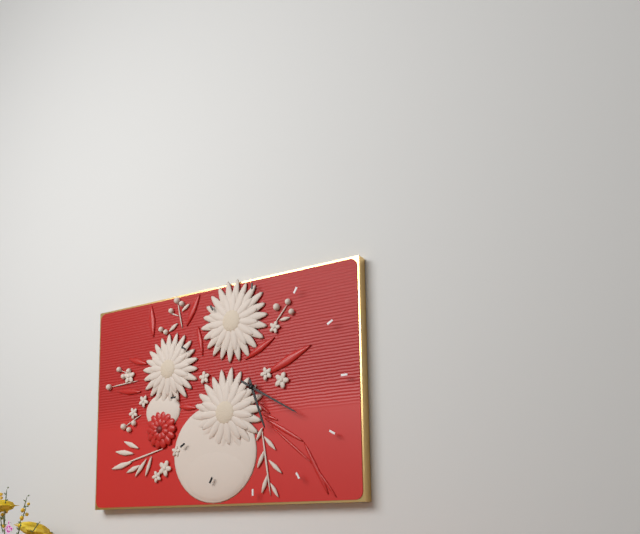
5:20
